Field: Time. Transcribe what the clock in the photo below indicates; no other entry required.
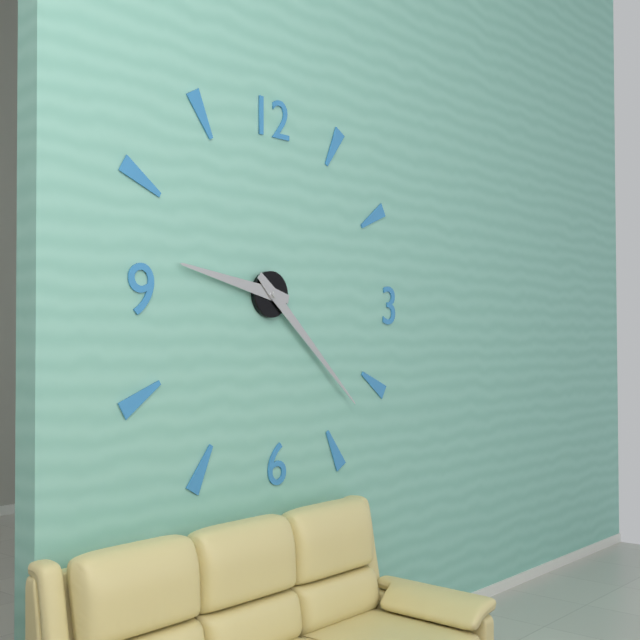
9:22
